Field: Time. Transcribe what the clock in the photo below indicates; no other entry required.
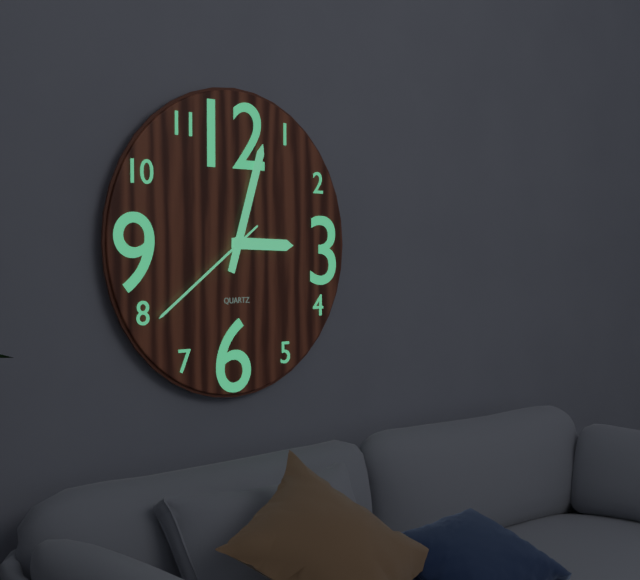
3:03:39
